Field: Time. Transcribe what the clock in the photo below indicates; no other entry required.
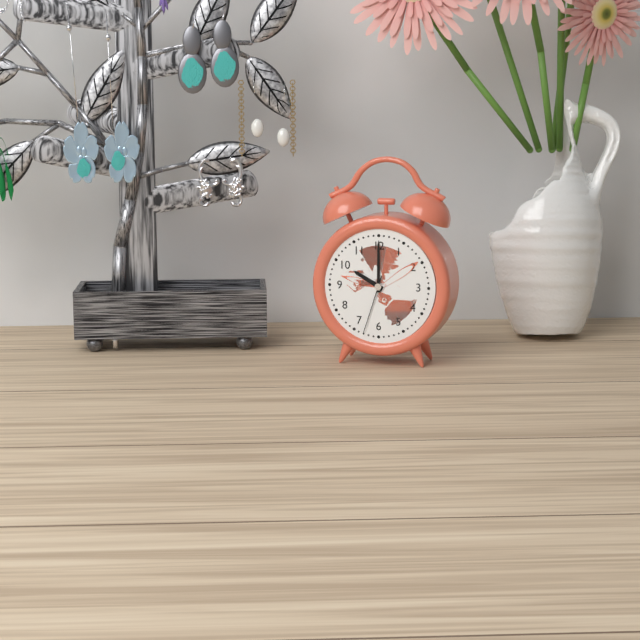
10:00:33
